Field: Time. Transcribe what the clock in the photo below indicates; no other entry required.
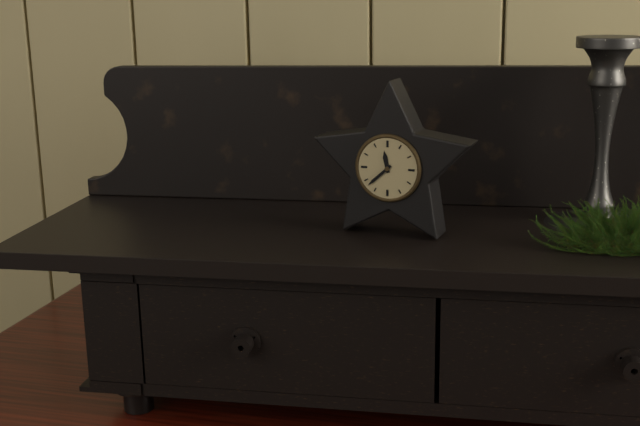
11:38
